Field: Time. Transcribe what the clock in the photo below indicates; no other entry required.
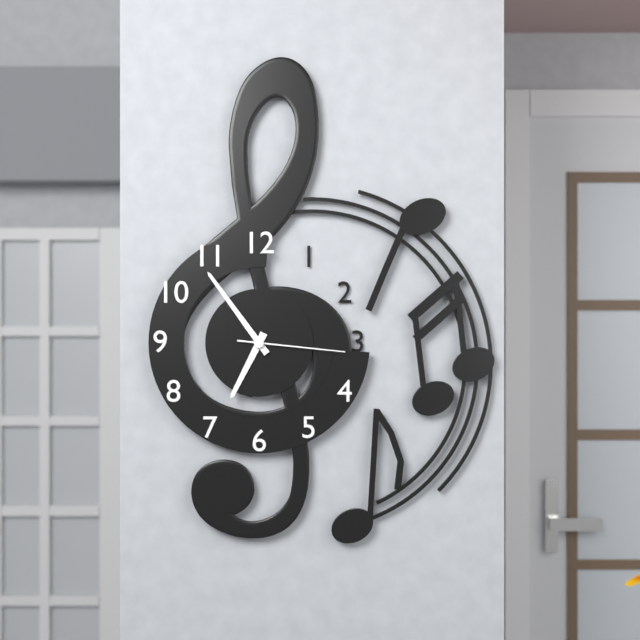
6:54:16
